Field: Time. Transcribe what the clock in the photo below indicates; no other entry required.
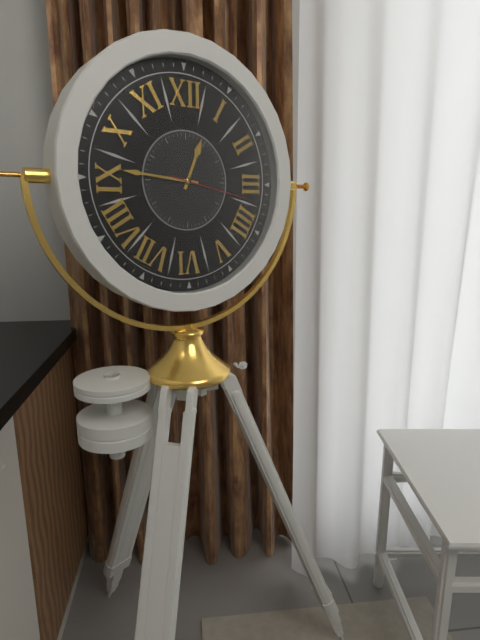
12:46:17
